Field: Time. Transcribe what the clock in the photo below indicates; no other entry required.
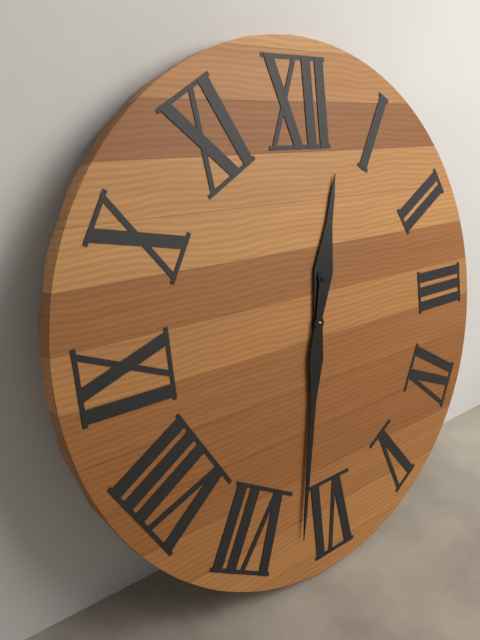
12:32
